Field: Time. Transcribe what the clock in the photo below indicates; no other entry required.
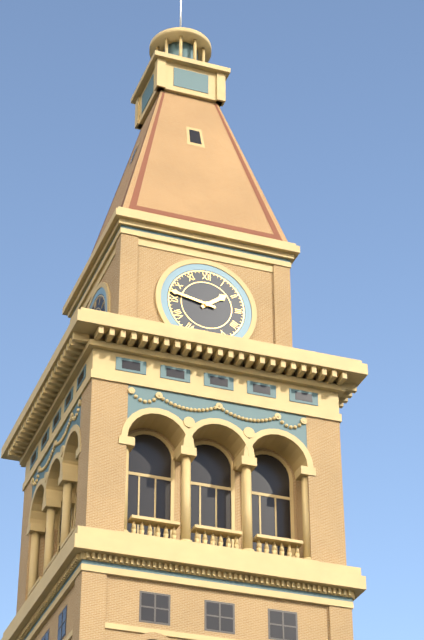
1:47
